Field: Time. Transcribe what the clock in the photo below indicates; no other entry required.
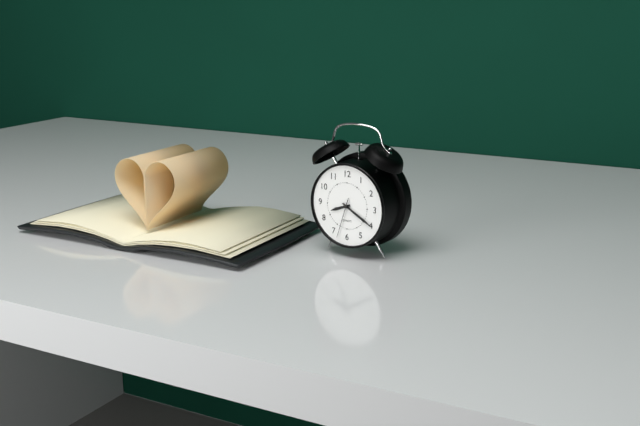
8:20
